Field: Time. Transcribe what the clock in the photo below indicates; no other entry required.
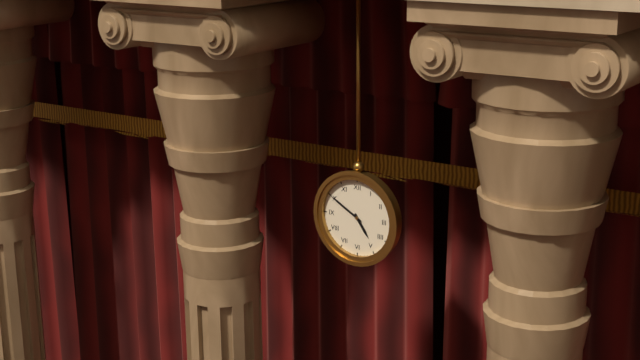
4:50
